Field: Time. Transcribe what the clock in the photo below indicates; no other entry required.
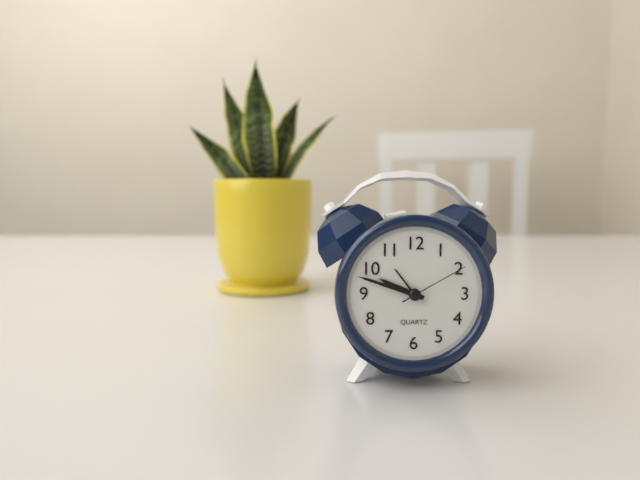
9:48:10
